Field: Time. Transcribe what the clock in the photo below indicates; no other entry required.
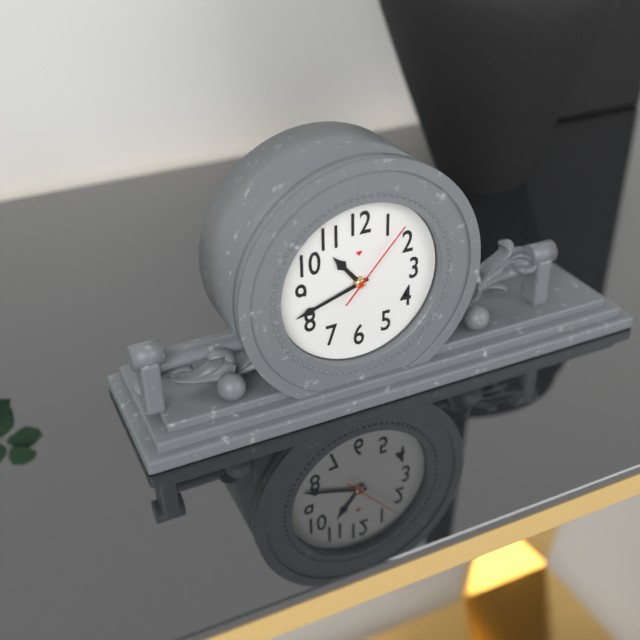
10:42:07
